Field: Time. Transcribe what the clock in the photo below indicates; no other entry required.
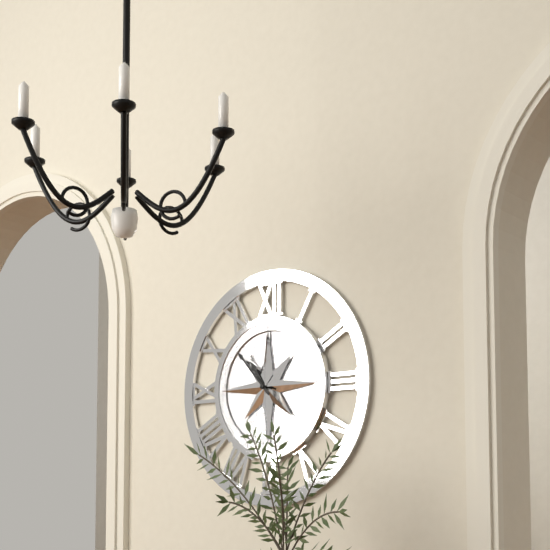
10:53
